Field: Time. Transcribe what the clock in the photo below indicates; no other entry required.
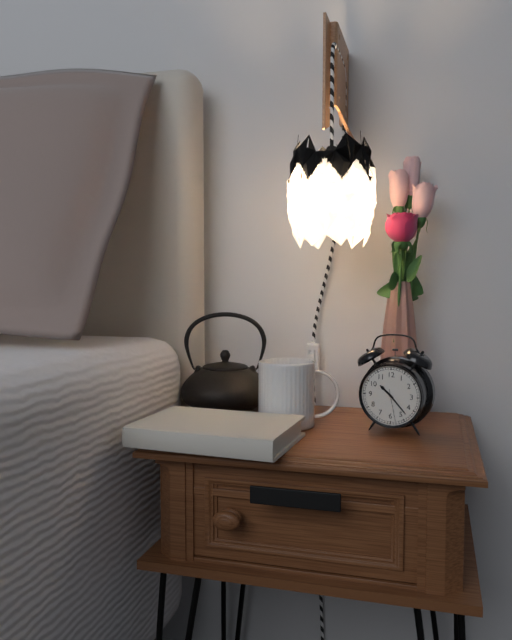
10:23
